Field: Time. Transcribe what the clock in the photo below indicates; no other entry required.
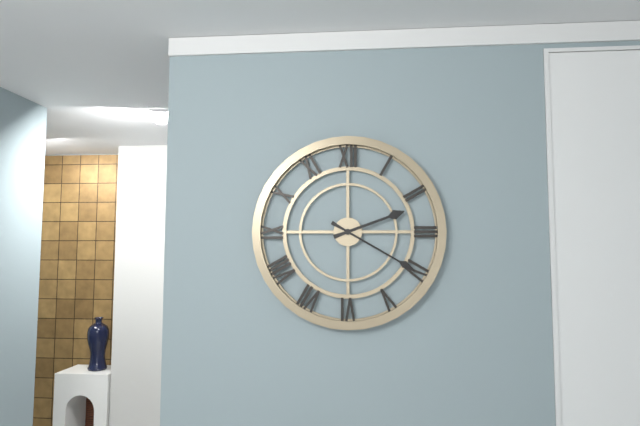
2:20
